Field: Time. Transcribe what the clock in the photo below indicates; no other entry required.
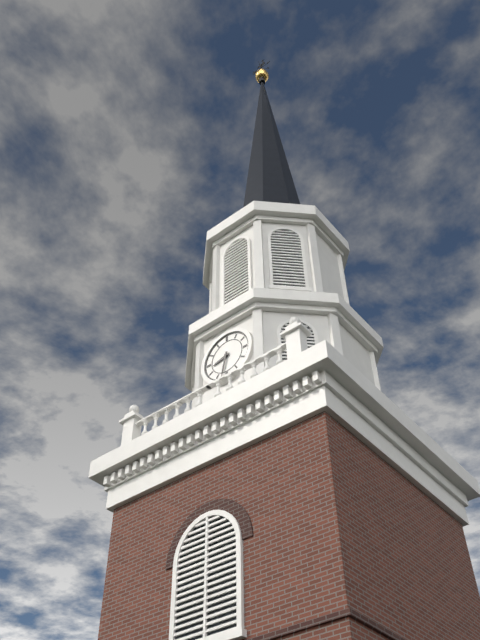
8:32
